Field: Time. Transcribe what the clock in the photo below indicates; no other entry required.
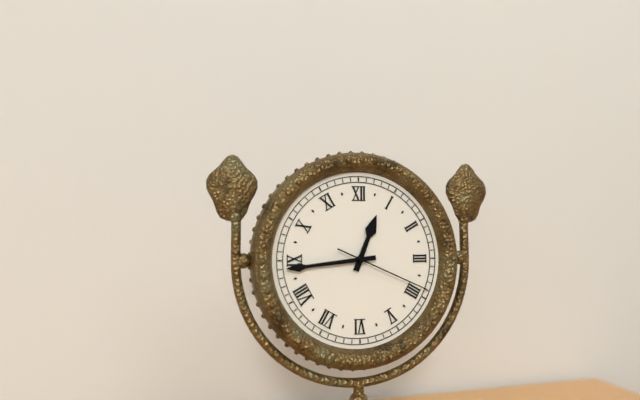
12:44:19
